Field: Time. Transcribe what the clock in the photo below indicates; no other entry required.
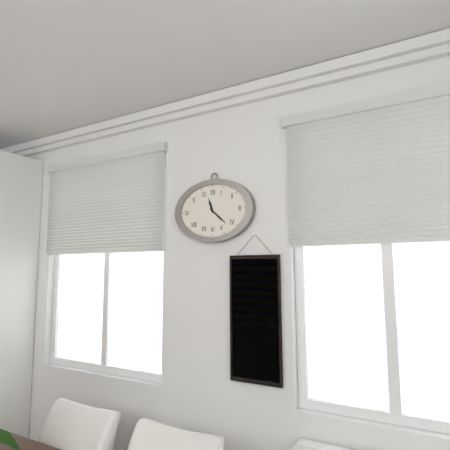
11:22
